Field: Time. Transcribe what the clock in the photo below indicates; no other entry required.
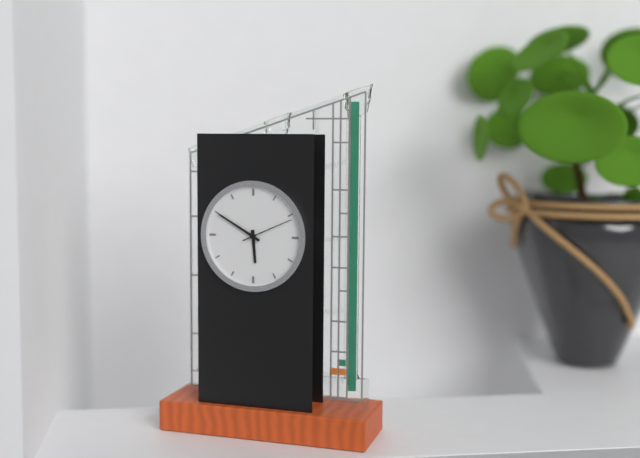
5:50:11
